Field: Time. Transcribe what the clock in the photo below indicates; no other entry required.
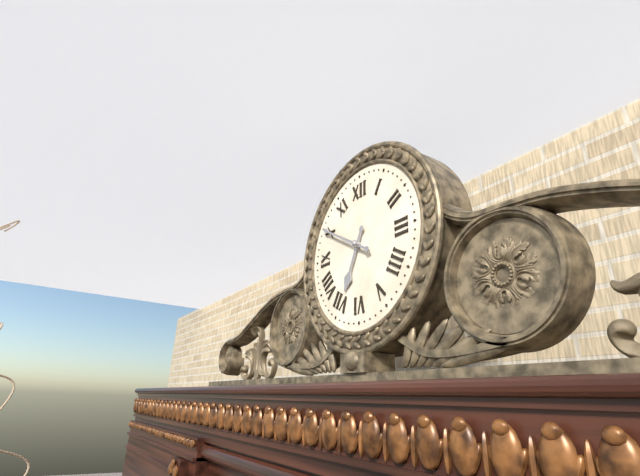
6:50
